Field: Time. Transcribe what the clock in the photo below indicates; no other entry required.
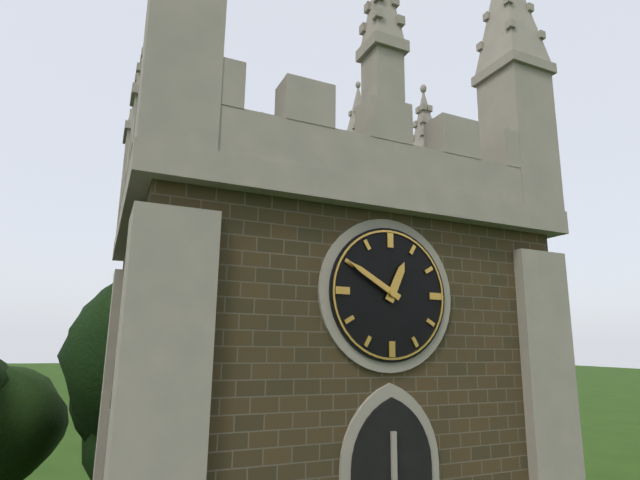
12:50
